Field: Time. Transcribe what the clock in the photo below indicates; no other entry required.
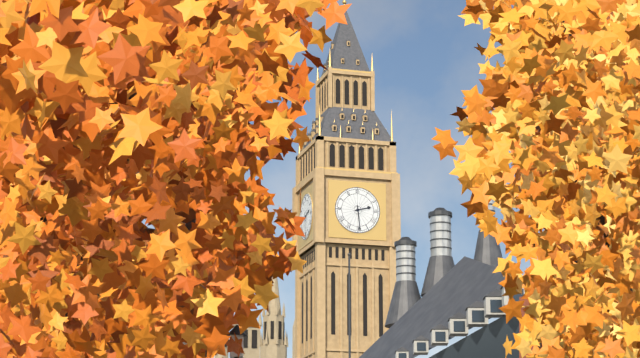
2:29
